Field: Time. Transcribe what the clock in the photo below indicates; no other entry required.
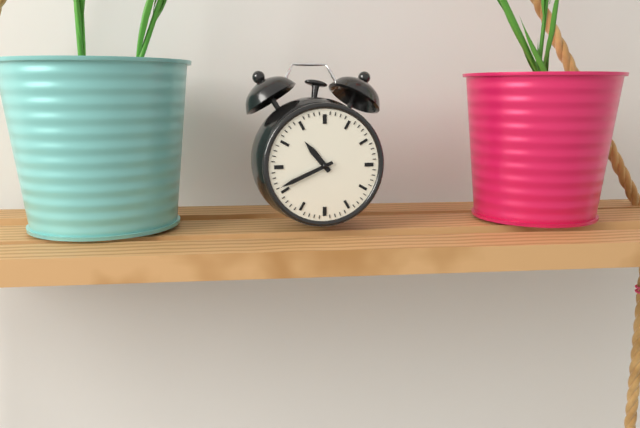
10:41
